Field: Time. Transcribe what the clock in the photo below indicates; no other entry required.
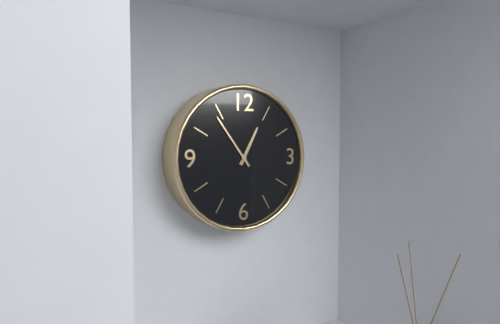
12:54
